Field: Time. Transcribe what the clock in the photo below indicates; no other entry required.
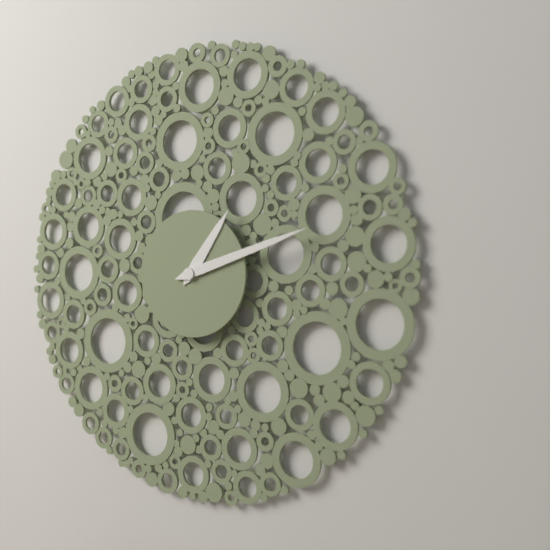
1:12
